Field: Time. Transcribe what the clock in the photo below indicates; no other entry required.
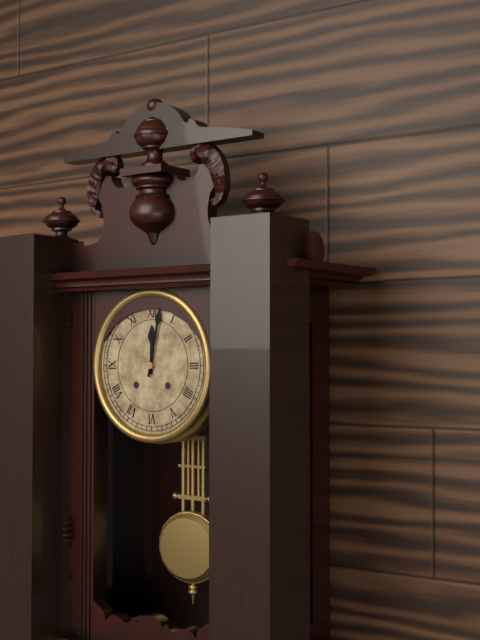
12:02
